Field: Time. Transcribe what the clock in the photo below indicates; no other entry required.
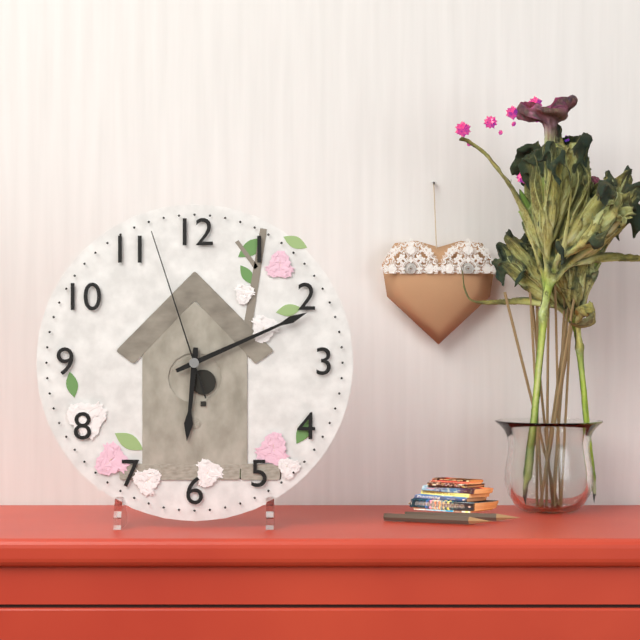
6:11:57
